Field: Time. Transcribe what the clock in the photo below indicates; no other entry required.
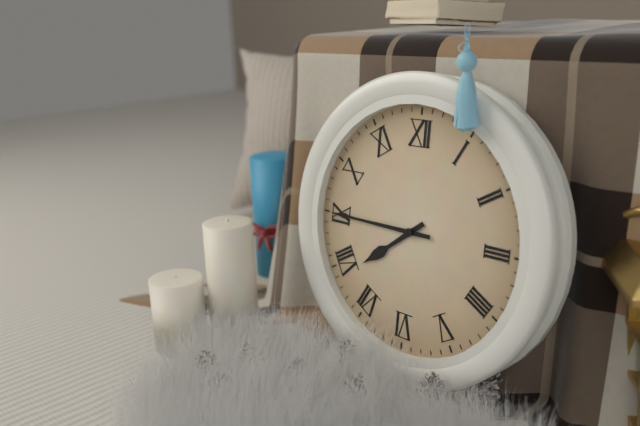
7:45
